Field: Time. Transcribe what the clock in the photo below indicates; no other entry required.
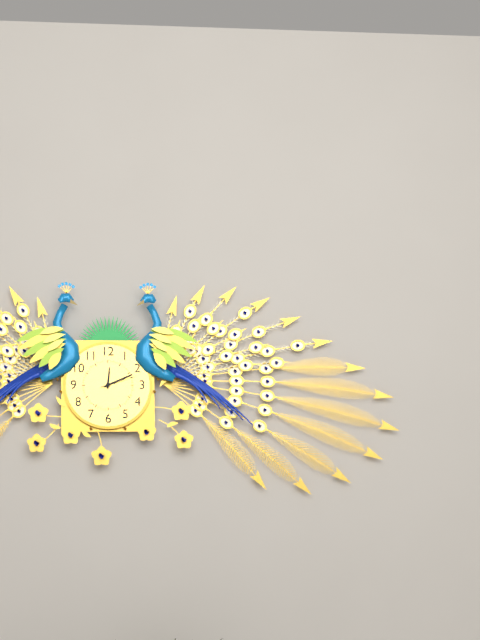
12:11
